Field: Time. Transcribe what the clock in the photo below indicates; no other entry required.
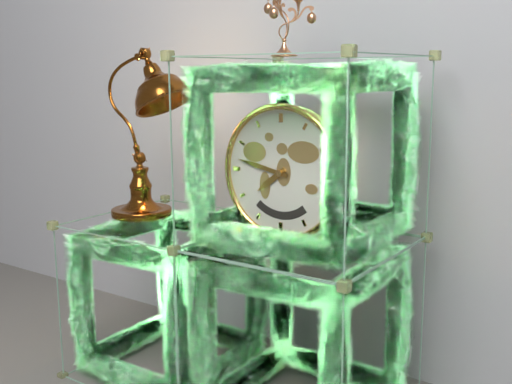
7:47
